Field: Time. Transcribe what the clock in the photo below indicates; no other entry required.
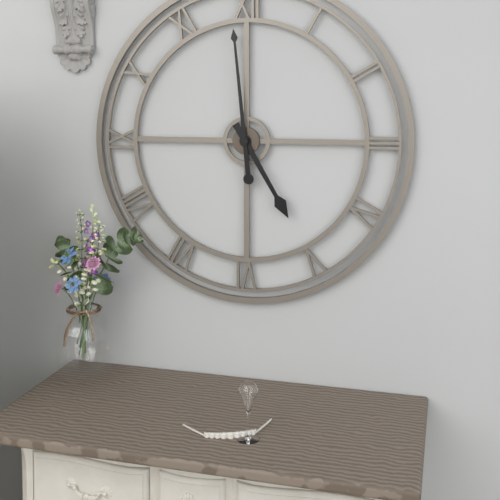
4:59
